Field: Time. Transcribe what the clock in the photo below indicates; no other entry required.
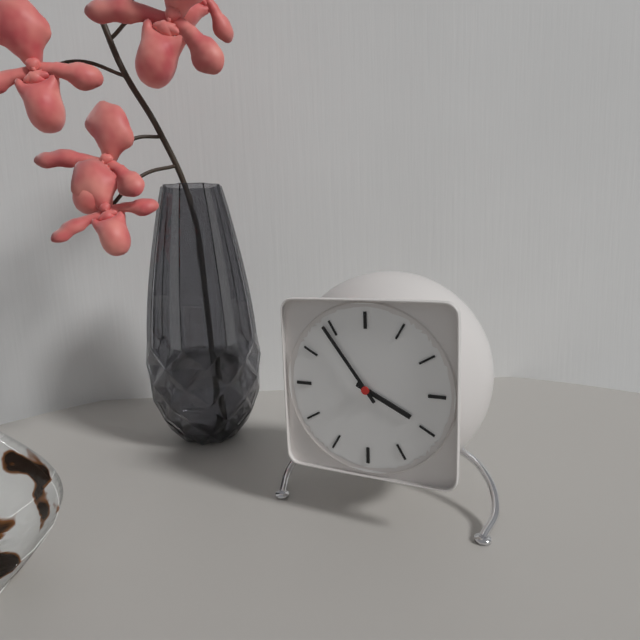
3:54
